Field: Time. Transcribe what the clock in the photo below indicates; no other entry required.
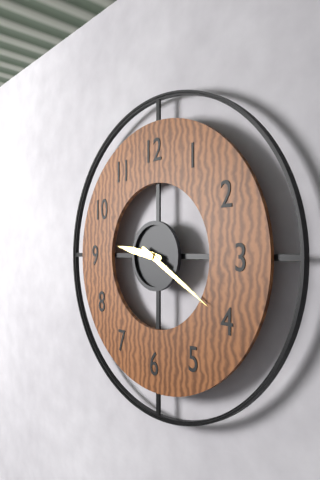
9:20
